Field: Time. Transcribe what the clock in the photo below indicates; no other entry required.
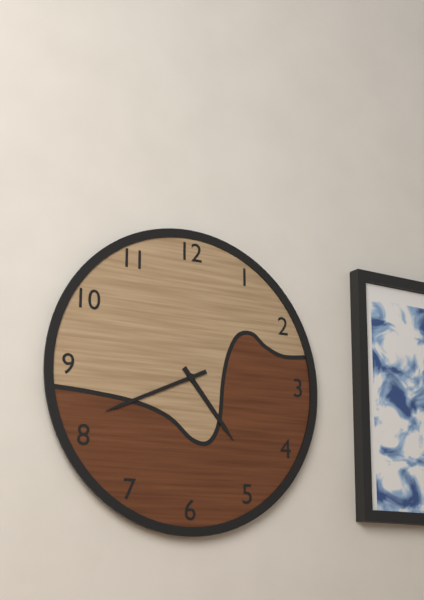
4:41
